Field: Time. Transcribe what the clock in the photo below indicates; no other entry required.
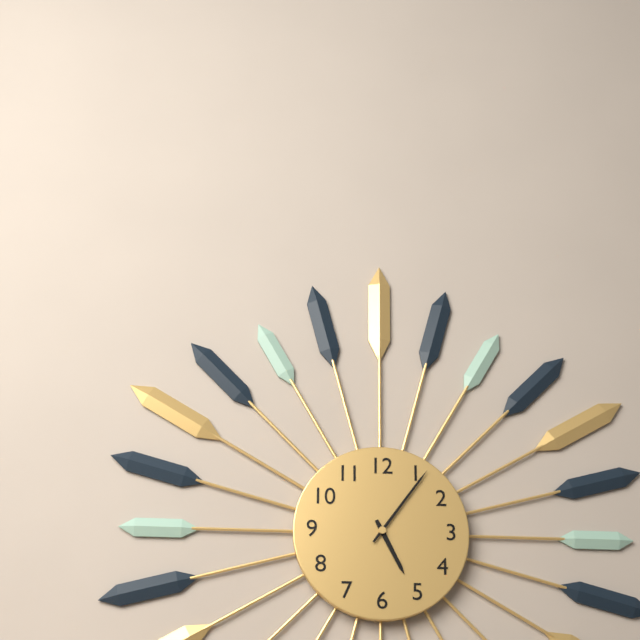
5:06
